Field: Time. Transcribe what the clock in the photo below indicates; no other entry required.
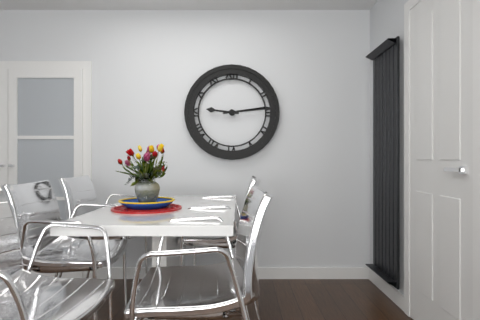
9:14
